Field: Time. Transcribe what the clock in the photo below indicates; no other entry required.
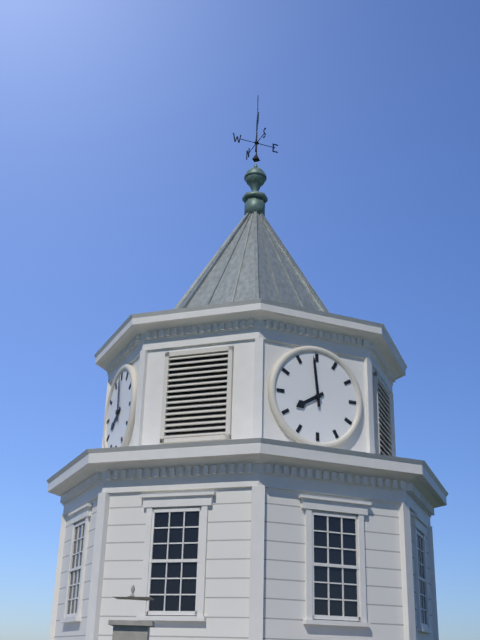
7:59
